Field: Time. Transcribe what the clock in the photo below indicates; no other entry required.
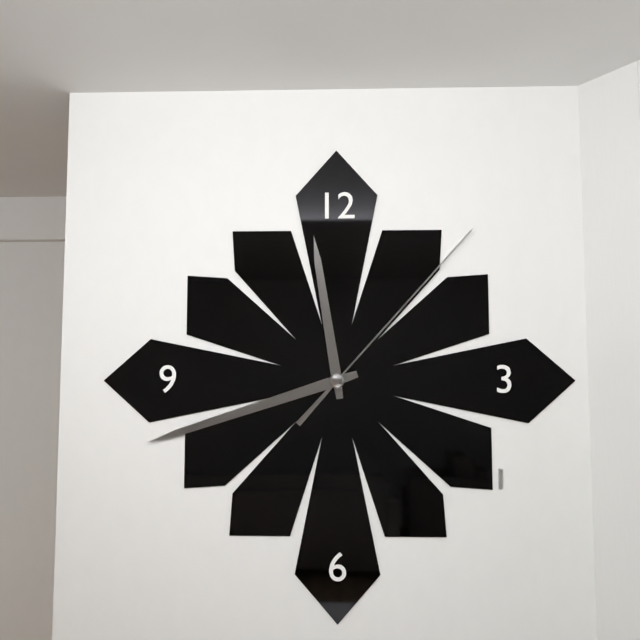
11:42:07
